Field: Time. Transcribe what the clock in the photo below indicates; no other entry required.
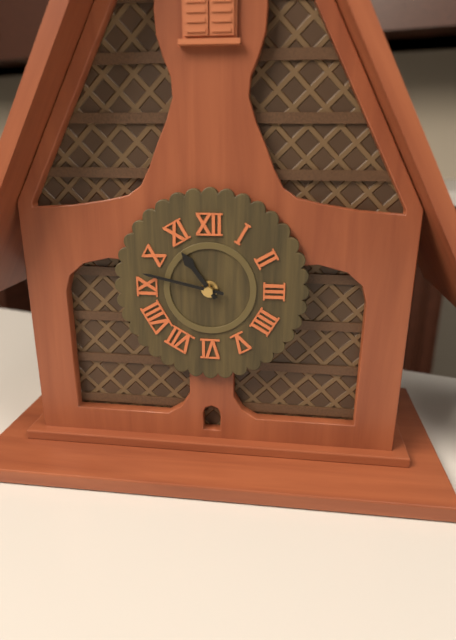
10:47
